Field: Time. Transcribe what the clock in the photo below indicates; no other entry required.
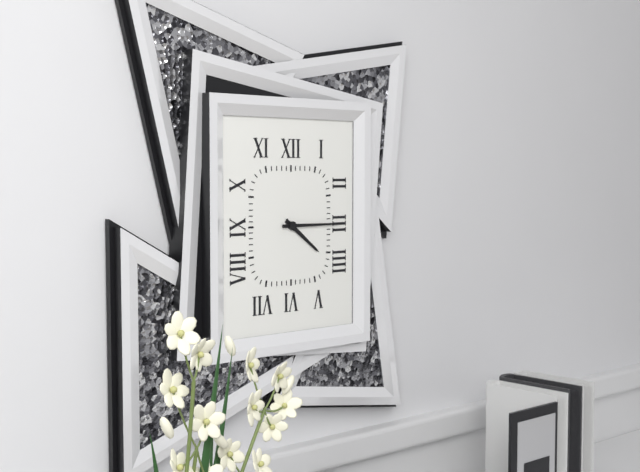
4:15
